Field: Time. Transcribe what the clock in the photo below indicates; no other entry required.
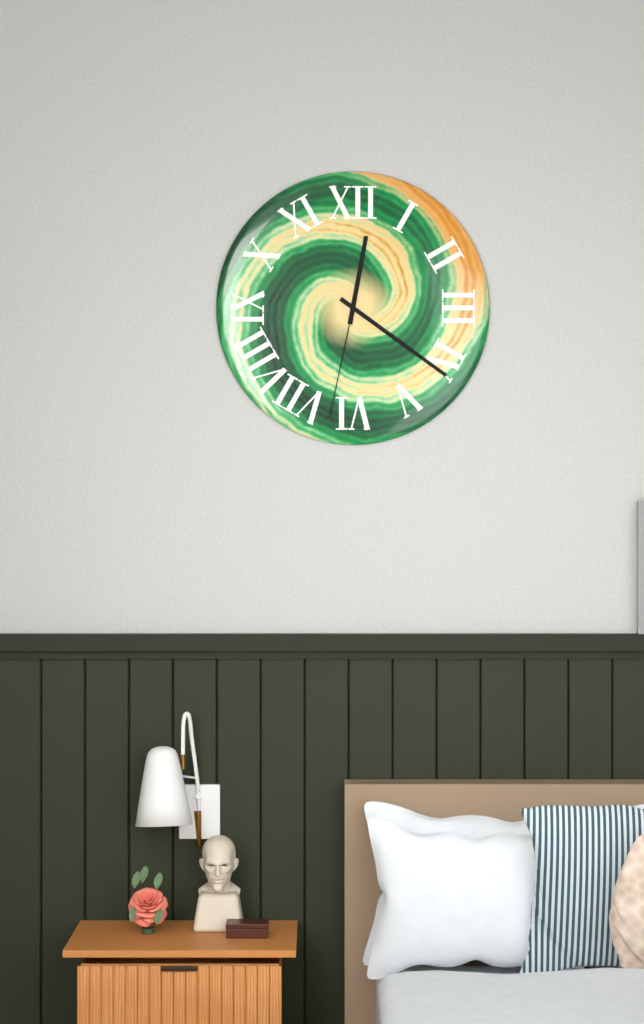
12:21:32
